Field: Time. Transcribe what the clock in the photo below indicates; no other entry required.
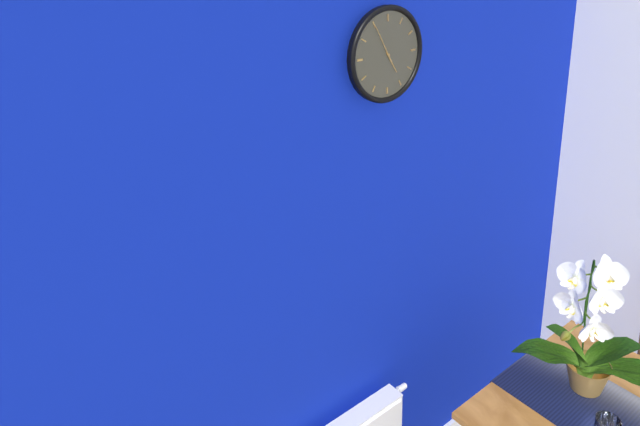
4:55
